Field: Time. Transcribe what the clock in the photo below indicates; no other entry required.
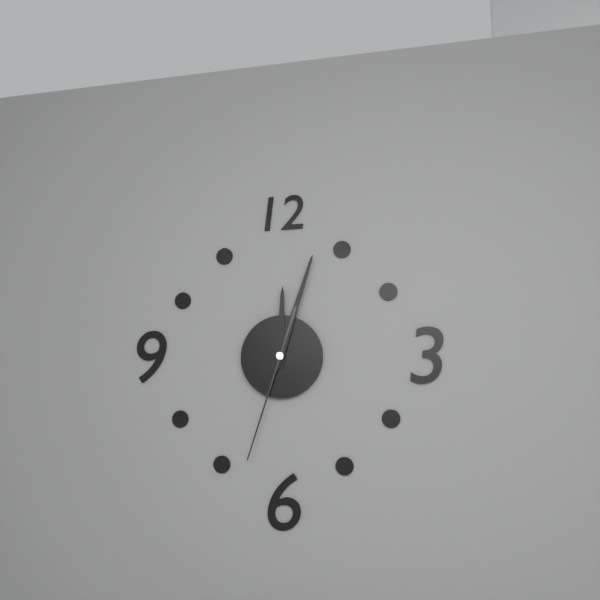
12:03:33
